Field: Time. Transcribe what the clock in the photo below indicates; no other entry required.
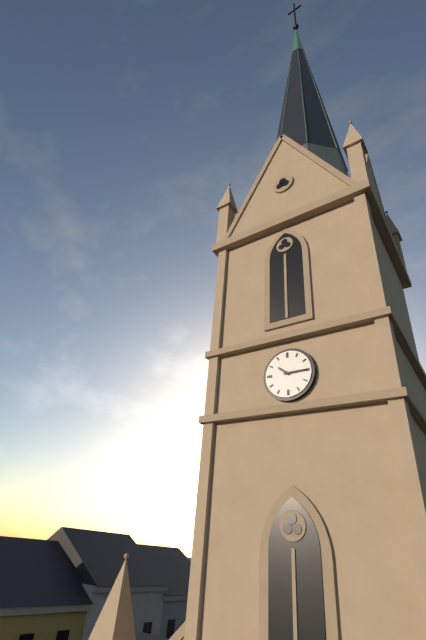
10:15
